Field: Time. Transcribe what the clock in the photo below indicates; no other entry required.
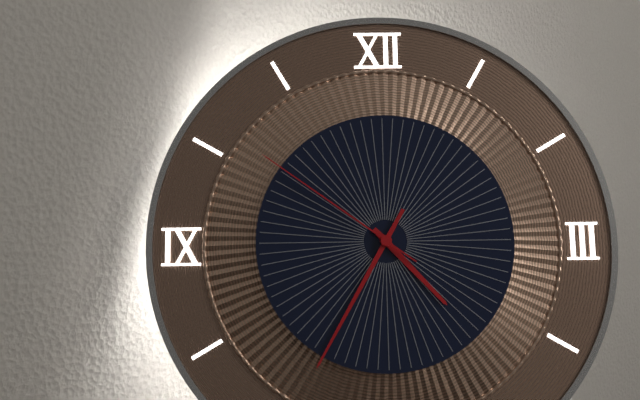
4:35:51
